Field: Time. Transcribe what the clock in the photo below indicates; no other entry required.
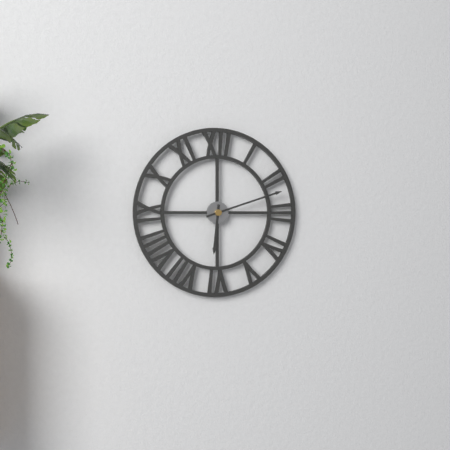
6:12
